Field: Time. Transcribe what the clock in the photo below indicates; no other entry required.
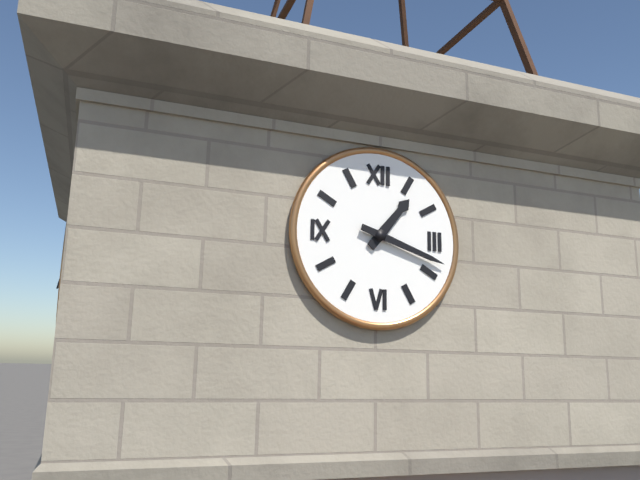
1:18
